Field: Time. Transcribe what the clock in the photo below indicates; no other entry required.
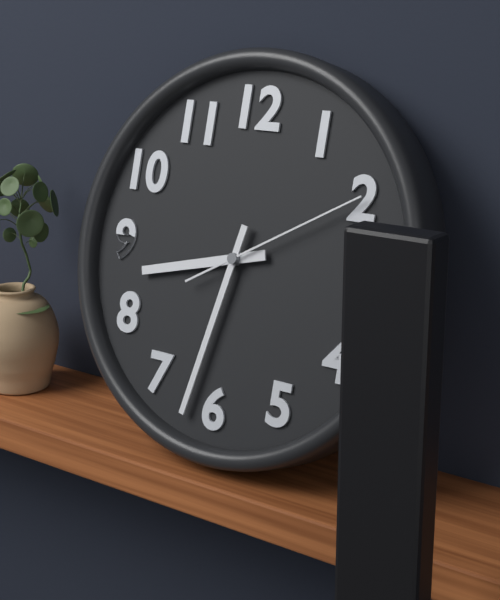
8:32:10
